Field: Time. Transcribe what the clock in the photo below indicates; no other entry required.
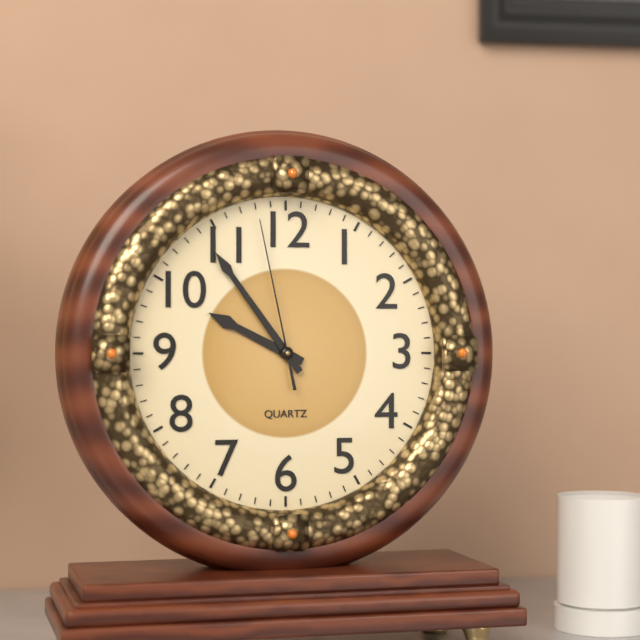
9:54:58
